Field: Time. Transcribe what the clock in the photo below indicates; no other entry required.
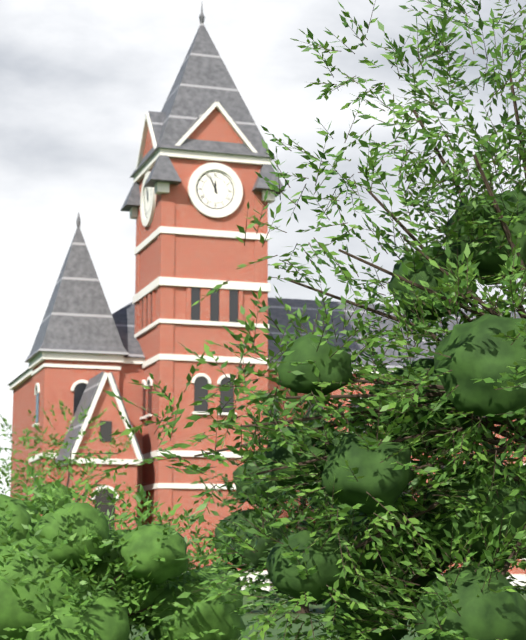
11:56
